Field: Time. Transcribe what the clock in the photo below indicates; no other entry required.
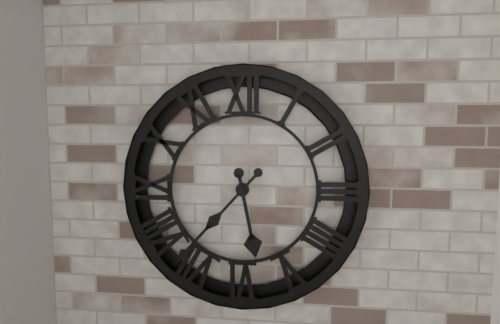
5:37
